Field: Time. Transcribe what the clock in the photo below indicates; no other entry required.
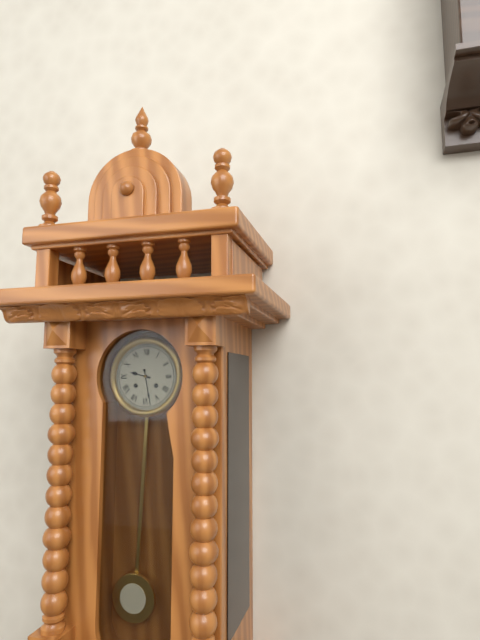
9:28
